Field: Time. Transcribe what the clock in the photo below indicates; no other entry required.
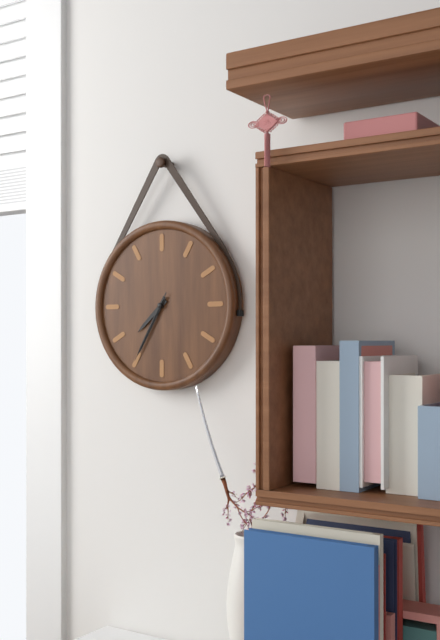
7:35:35
